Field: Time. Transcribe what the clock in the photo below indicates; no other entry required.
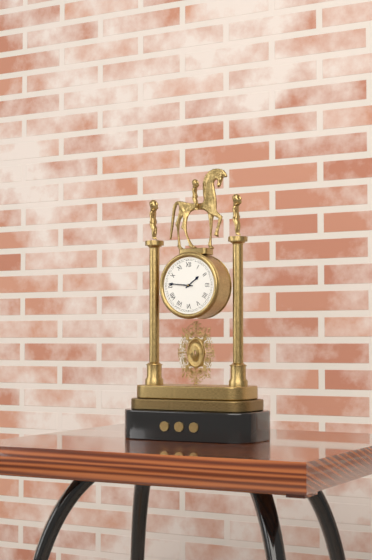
1:46
